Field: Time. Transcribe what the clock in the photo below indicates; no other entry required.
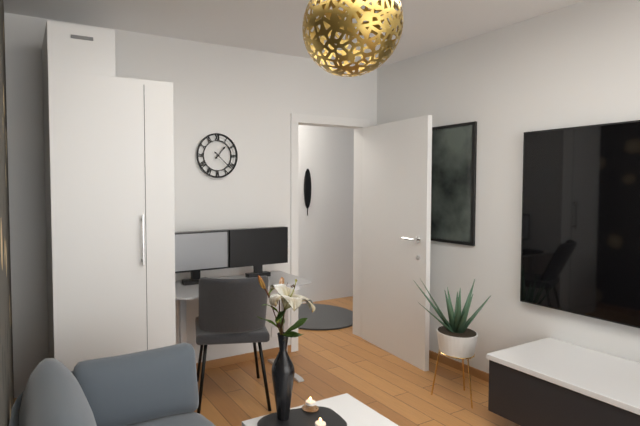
1:22
